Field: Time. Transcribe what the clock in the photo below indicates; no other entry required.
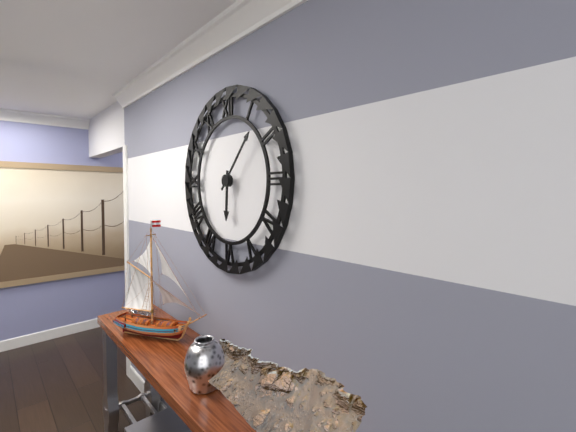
6:07
